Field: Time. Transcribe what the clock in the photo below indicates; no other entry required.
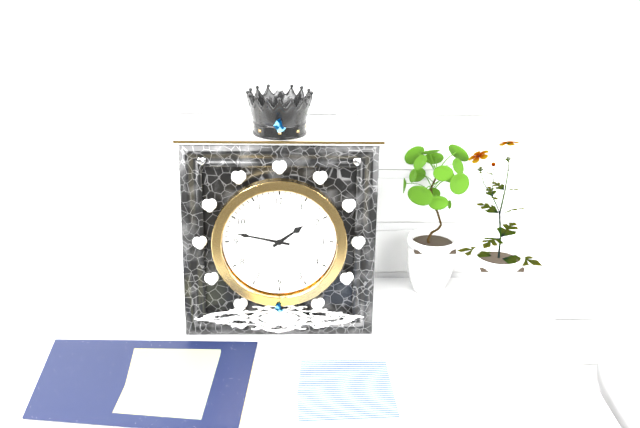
1:47
